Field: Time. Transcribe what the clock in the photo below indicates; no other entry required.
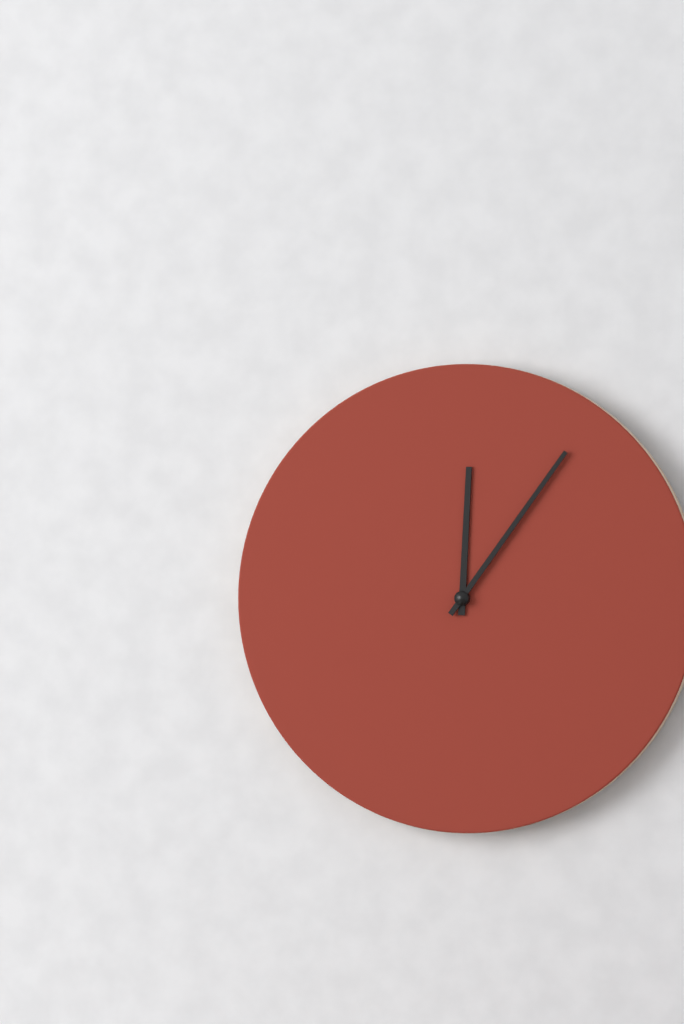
12:06
